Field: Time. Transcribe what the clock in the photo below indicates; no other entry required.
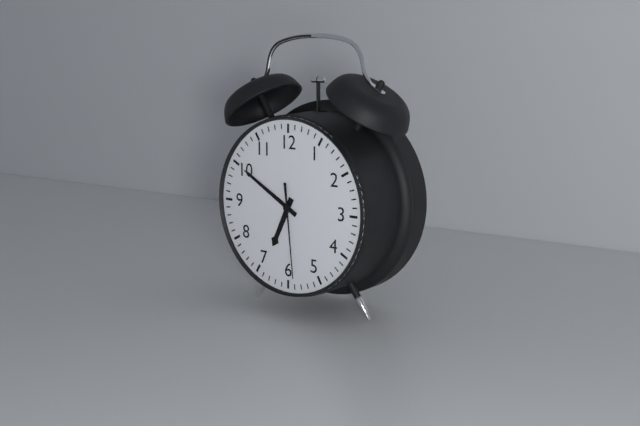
6:50:29
